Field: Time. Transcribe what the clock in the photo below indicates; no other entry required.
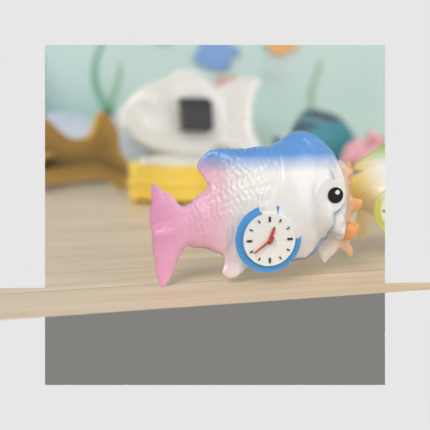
12:39
